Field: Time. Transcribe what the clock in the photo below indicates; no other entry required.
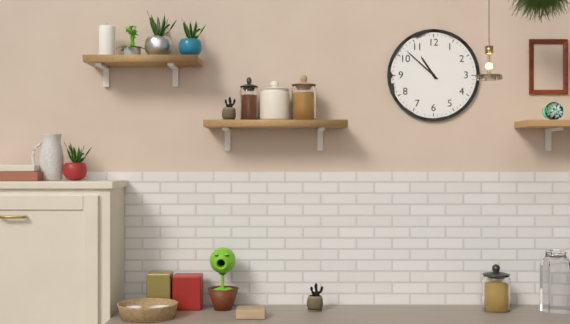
10:52
